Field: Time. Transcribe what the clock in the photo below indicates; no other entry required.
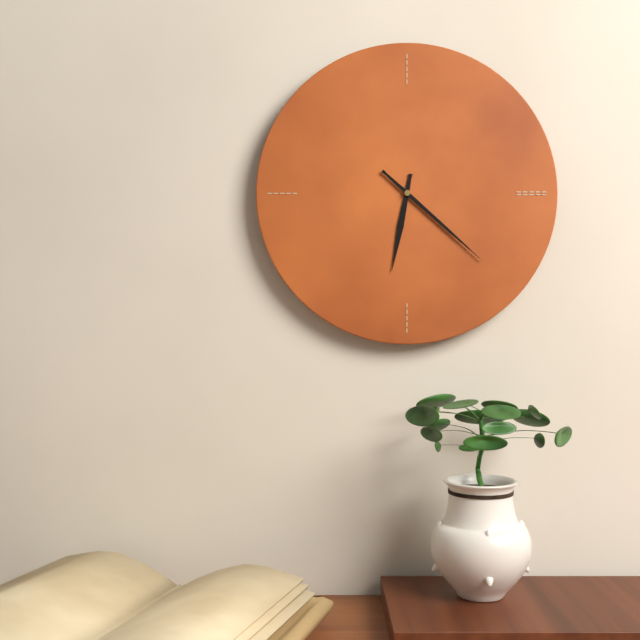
6:22
